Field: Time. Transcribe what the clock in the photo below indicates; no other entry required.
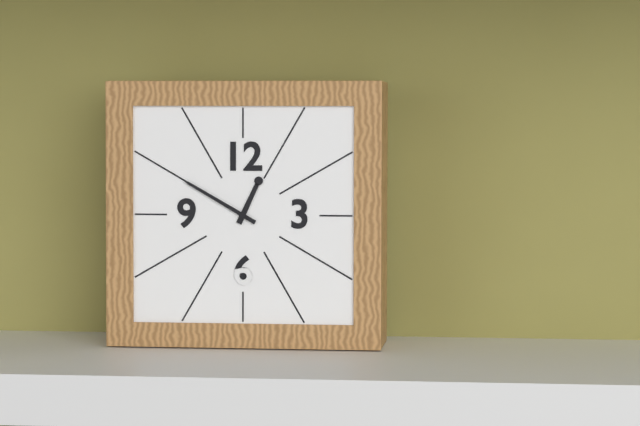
12:50
